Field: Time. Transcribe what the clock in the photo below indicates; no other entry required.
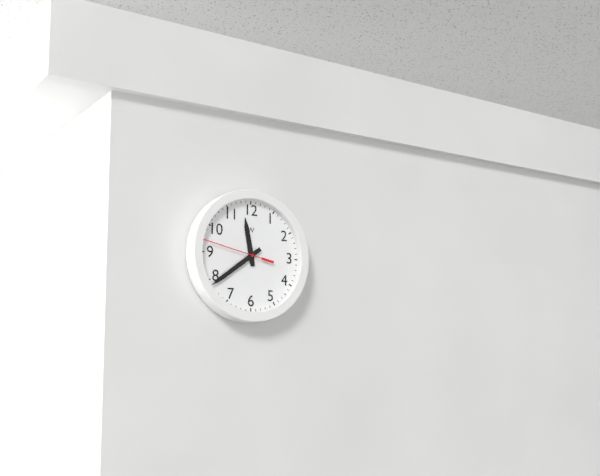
11:39:47
